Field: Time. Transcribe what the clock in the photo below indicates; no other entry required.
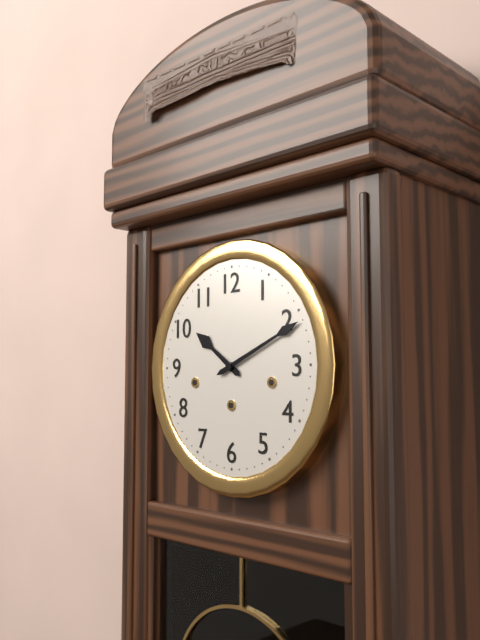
10:11
